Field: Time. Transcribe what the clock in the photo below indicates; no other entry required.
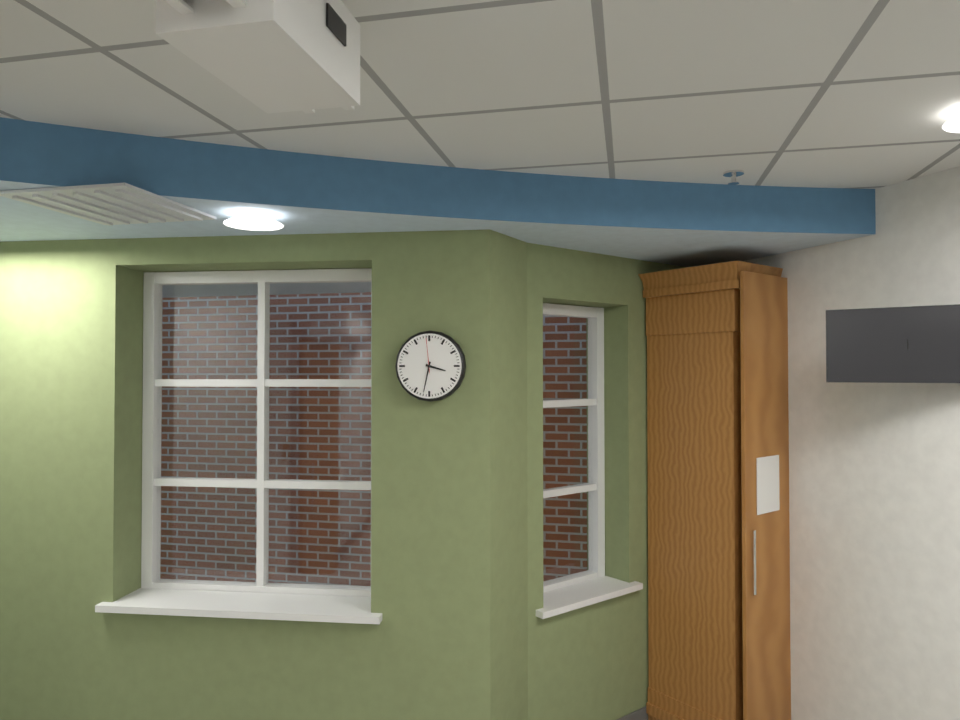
3:32
